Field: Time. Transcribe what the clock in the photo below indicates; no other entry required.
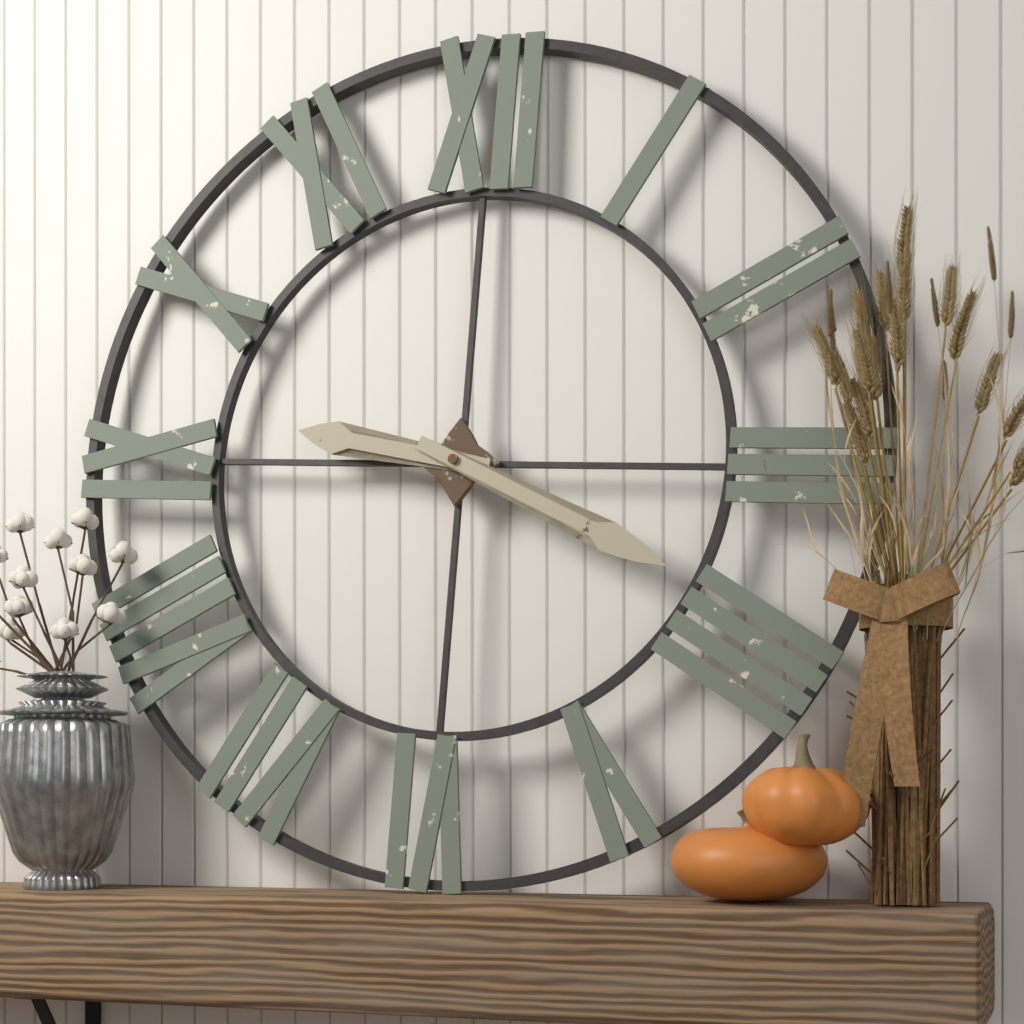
9:19
